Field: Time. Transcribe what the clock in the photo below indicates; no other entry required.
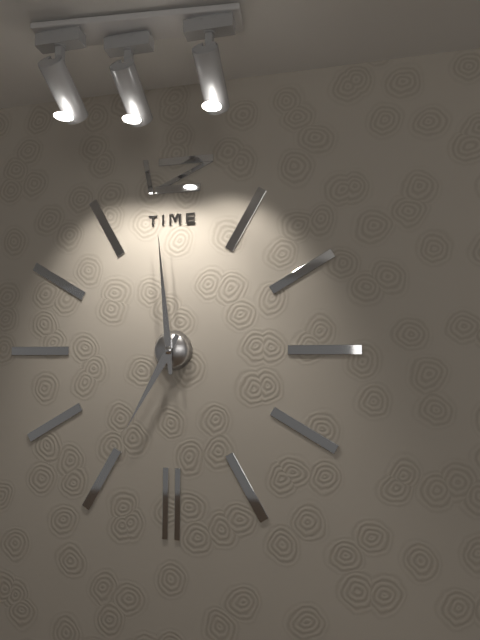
6:59
